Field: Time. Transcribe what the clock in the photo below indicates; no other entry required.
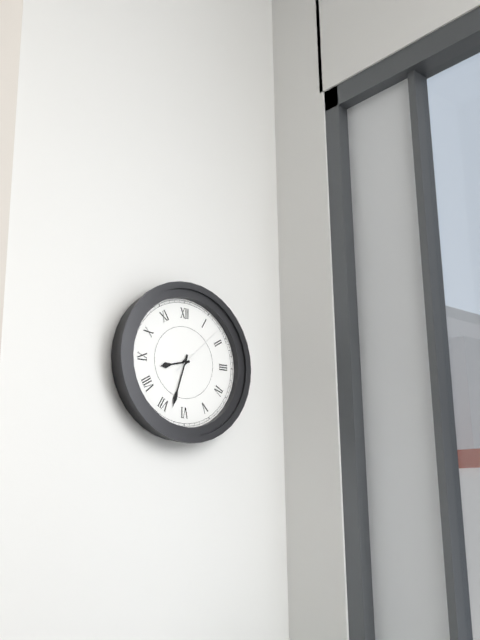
8:33:08
